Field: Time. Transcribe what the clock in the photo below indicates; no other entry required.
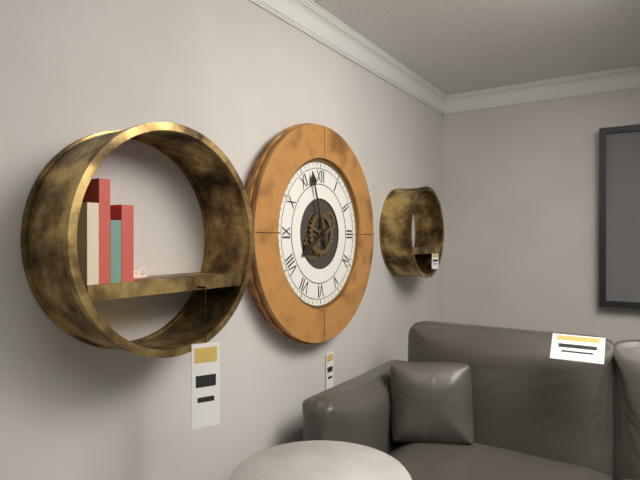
7:57
